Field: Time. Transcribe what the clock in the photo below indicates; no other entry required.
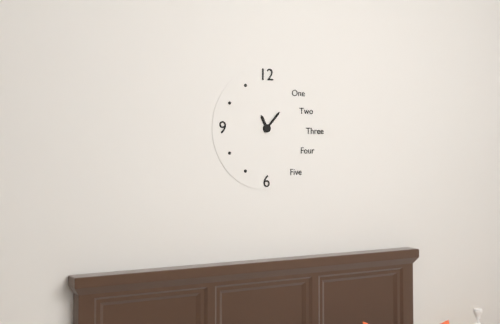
11:07
